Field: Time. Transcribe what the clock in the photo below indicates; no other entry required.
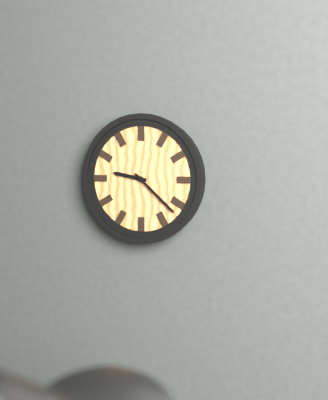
9:22
